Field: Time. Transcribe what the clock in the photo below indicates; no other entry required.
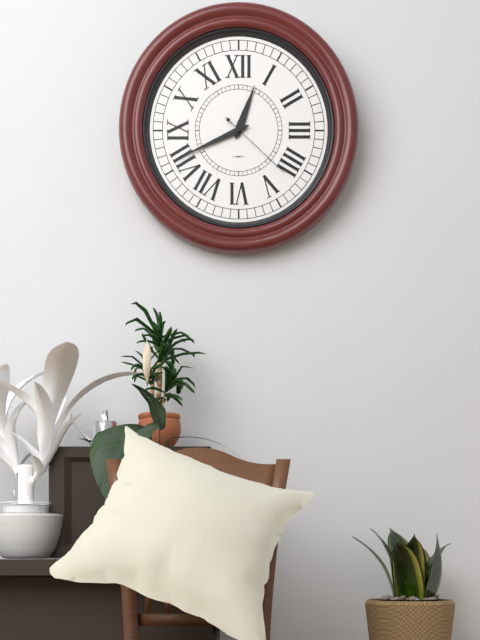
12:41:22
